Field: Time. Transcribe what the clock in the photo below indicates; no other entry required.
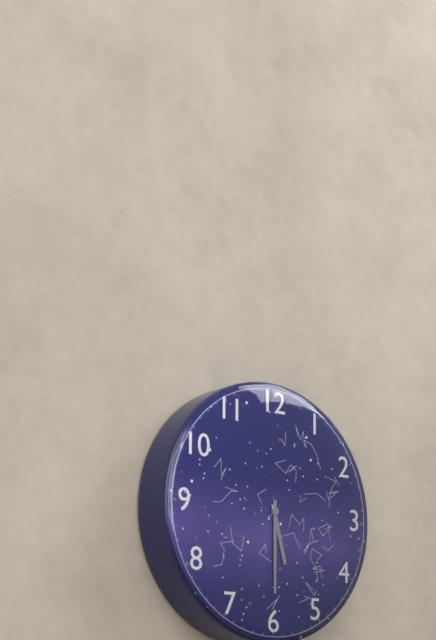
5:30
